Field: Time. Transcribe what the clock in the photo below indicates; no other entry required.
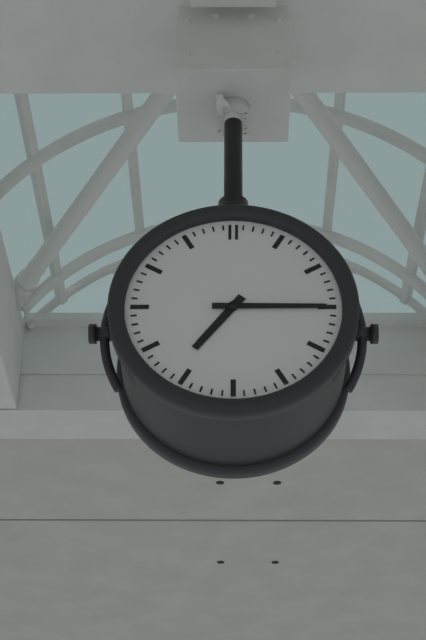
7:15
